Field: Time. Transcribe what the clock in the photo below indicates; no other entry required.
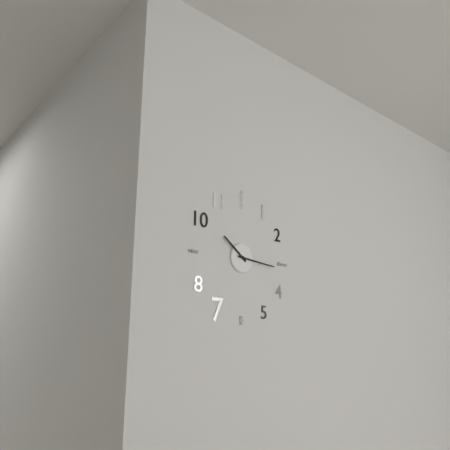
10:16
